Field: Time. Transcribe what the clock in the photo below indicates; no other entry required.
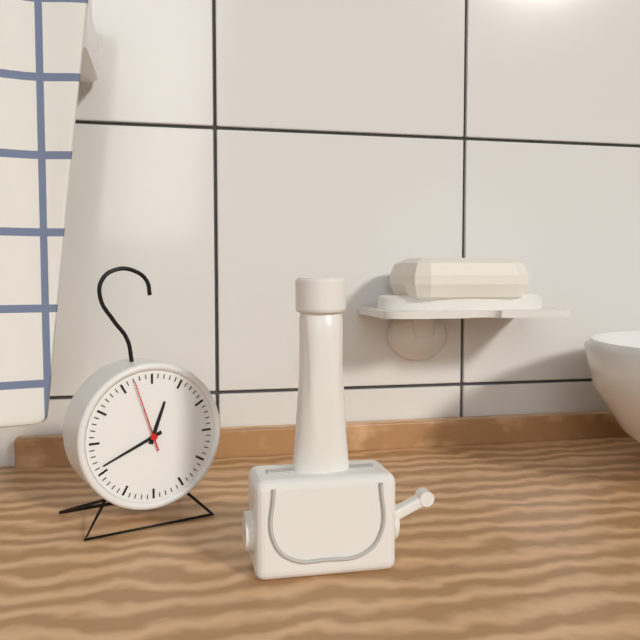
12:41:57
